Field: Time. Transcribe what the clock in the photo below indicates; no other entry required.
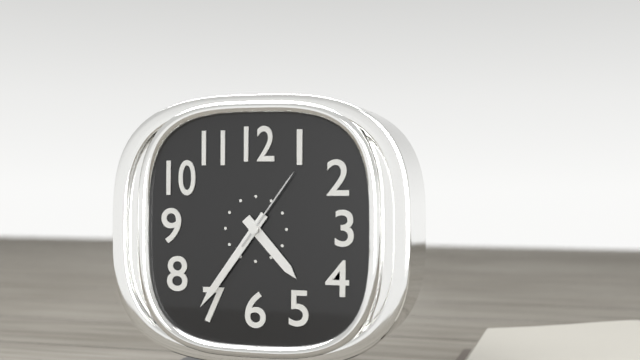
4:36:06
